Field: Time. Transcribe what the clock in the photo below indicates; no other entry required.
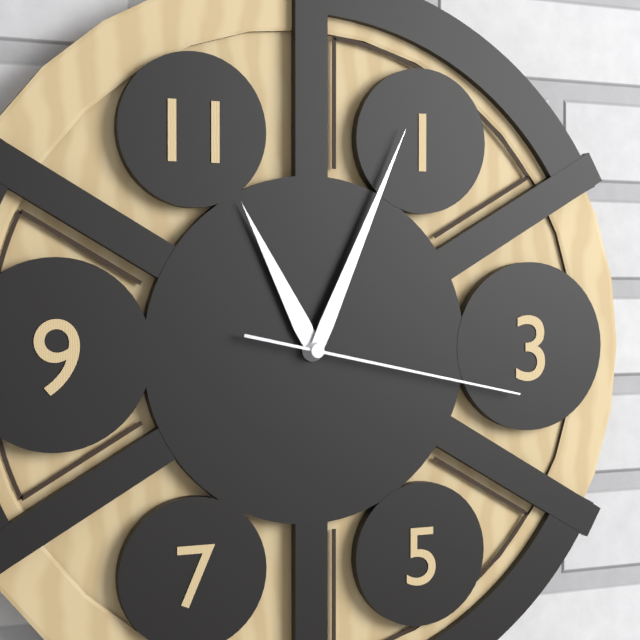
11:04:17
